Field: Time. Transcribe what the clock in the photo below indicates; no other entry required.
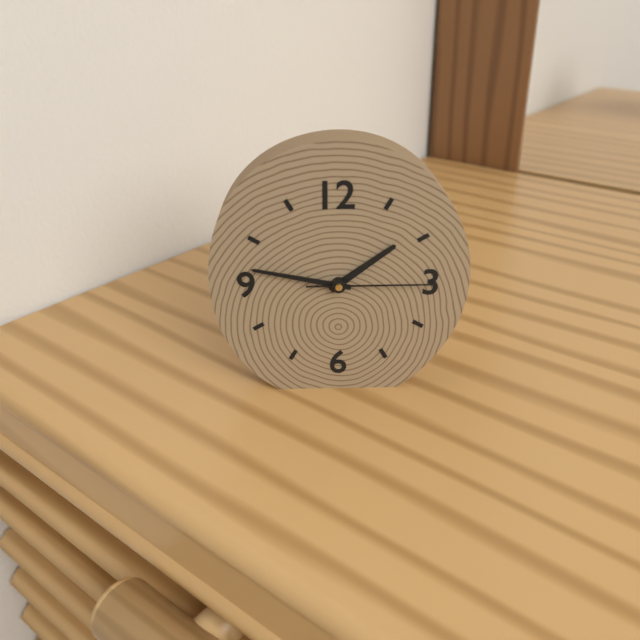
1:47:15
